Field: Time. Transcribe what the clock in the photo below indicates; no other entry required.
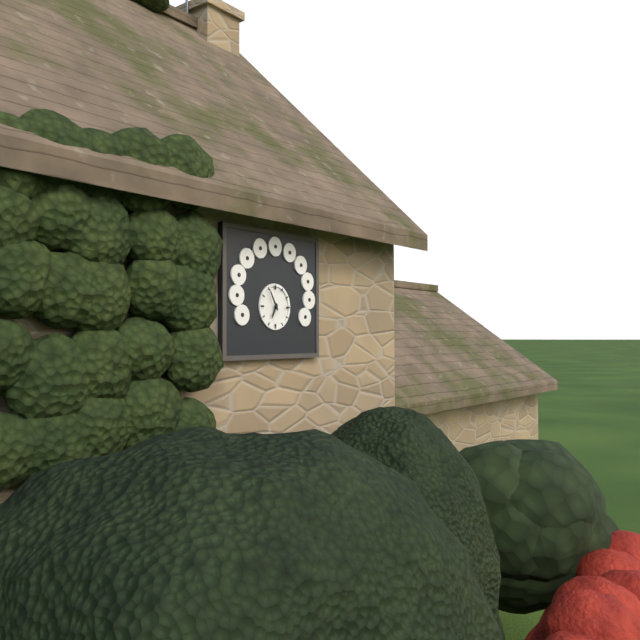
6:55
